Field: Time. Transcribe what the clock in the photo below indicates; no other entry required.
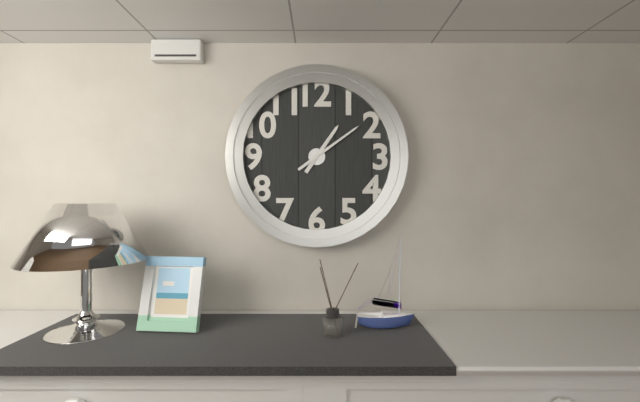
1:09
